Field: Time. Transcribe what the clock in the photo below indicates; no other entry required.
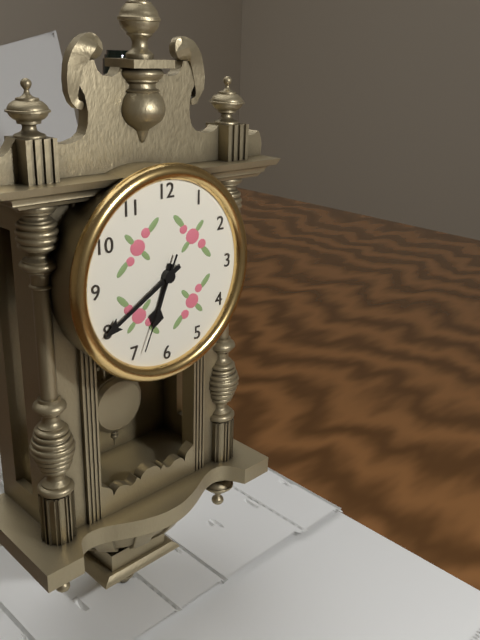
6:40:34
